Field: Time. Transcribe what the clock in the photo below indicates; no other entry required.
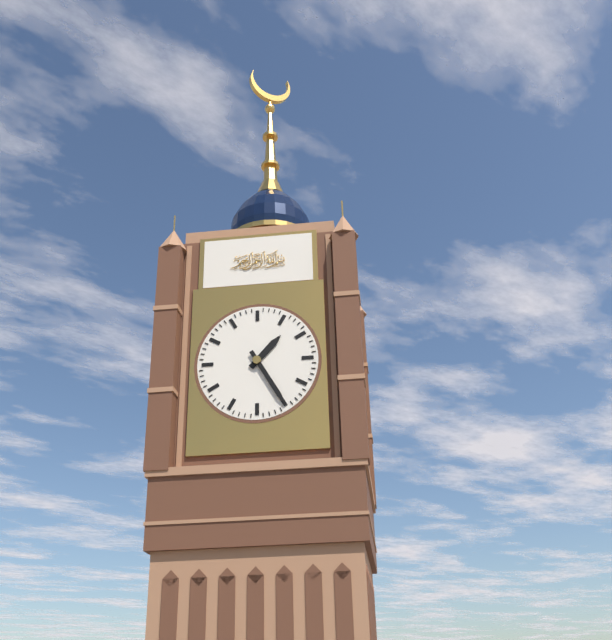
1:25
